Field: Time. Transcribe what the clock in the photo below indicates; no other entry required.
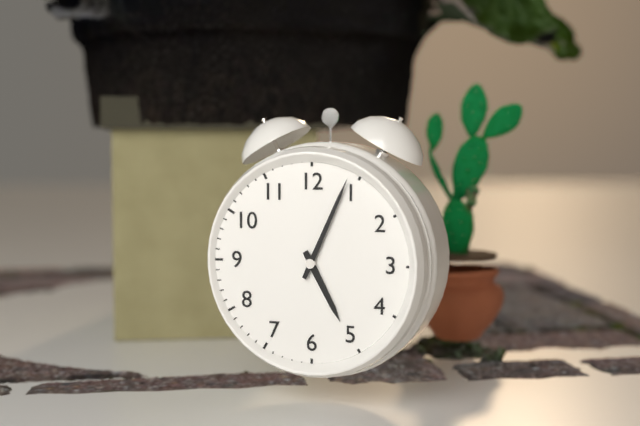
5:04
